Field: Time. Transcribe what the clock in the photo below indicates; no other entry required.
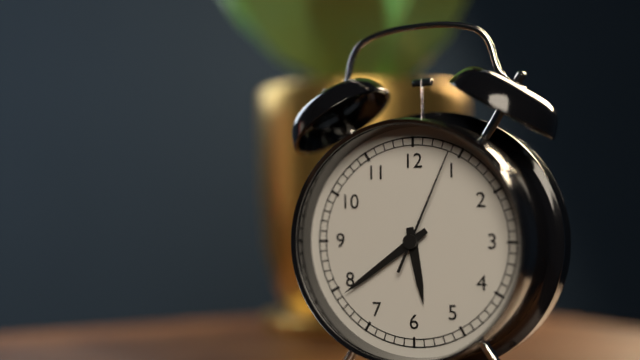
5:39:04
